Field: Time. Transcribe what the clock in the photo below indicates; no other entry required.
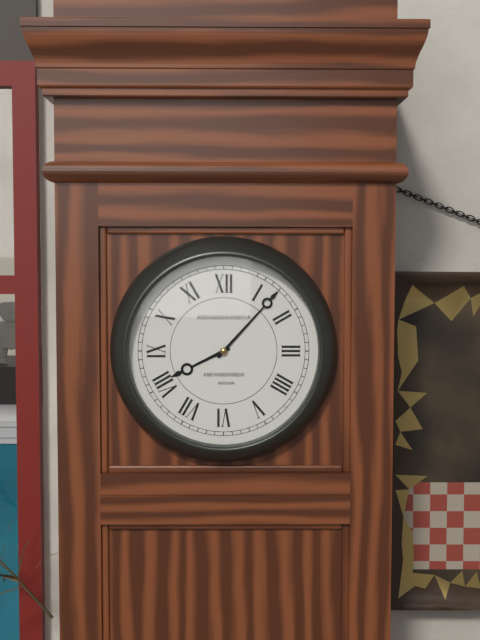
8:07
